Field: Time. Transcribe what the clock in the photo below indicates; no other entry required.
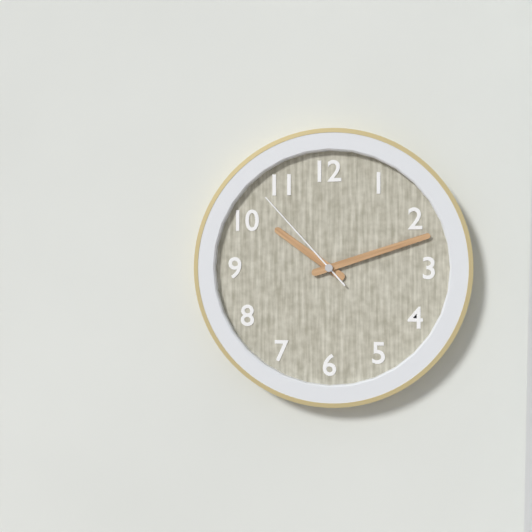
10:12:53
